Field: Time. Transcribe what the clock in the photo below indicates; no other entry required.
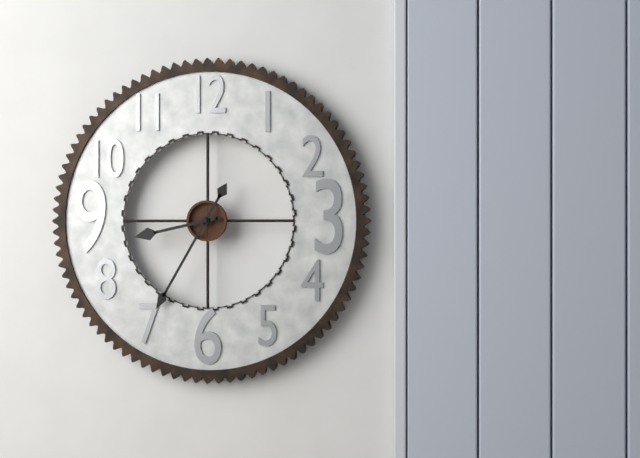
8:35
